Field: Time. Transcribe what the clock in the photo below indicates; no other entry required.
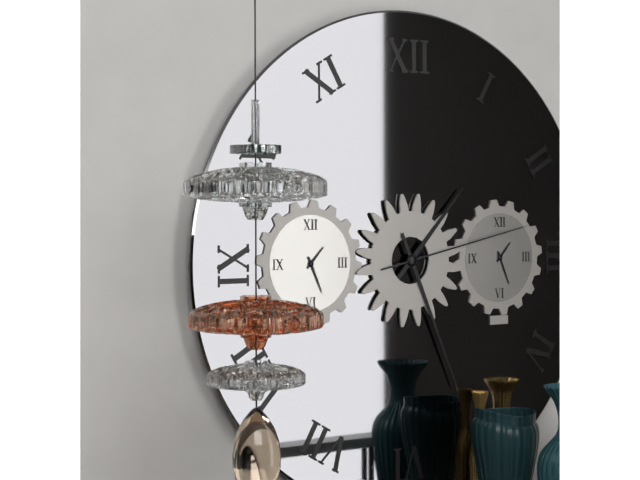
1:26:13
